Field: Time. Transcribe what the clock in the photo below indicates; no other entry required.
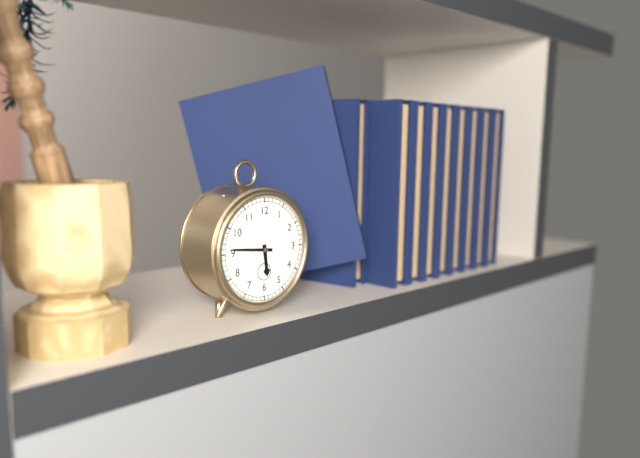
5:46
